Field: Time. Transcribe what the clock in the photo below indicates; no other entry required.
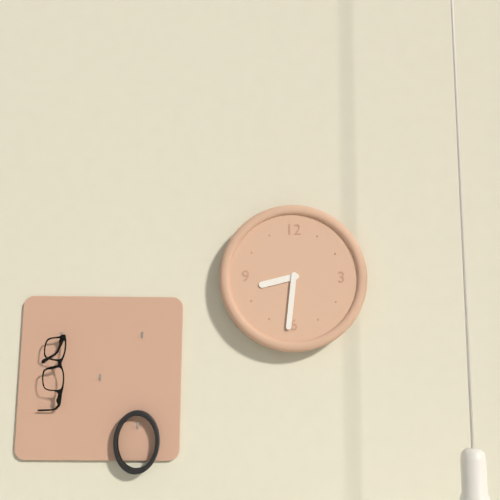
8:31
